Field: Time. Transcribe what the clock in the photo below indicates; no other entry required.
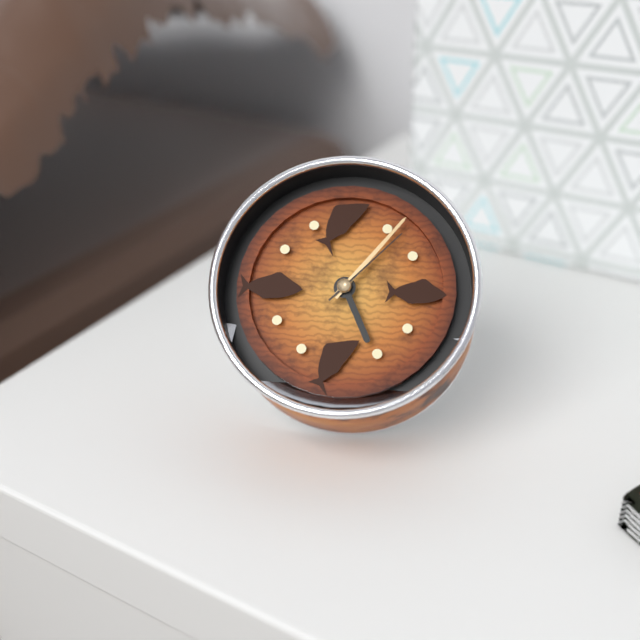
5:06:07
